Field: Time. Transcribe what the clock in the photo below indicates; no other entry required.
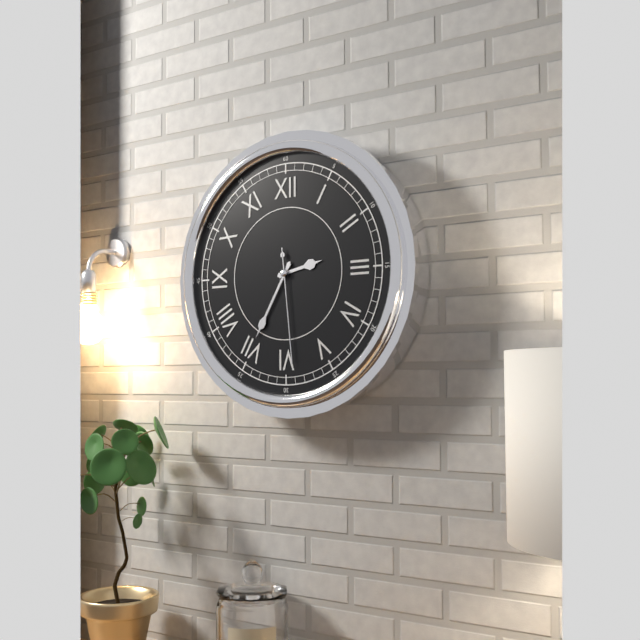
2:35:29
